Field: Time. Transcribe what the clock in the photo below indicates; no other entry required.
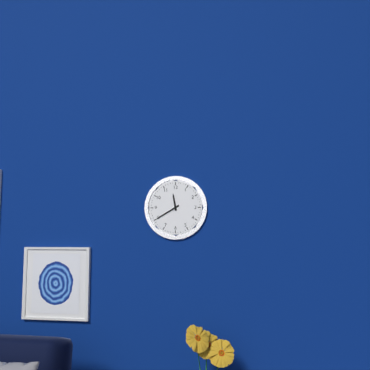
11:40
